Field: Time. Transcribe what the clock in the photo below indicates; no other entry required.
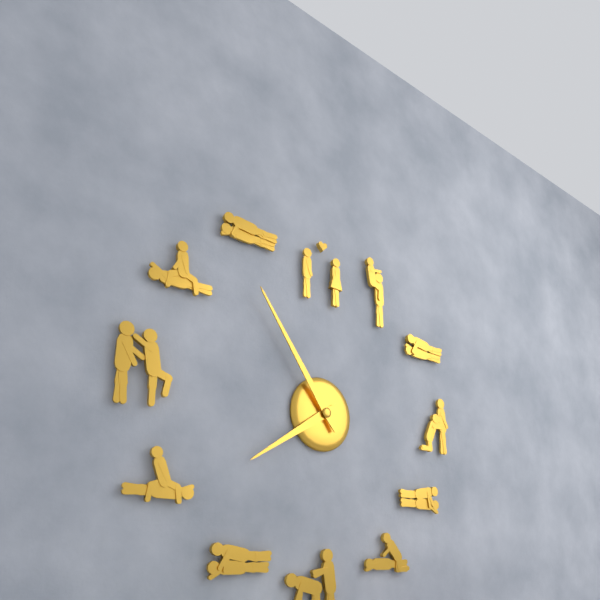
7:54
